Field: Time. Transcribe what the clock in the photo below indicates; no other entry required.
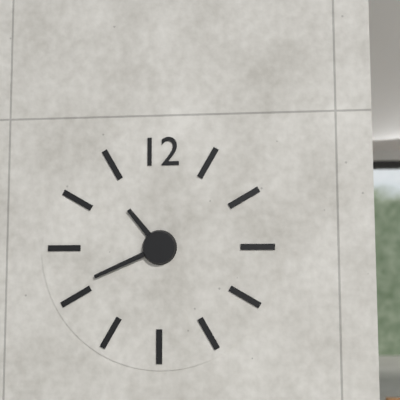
10:41
